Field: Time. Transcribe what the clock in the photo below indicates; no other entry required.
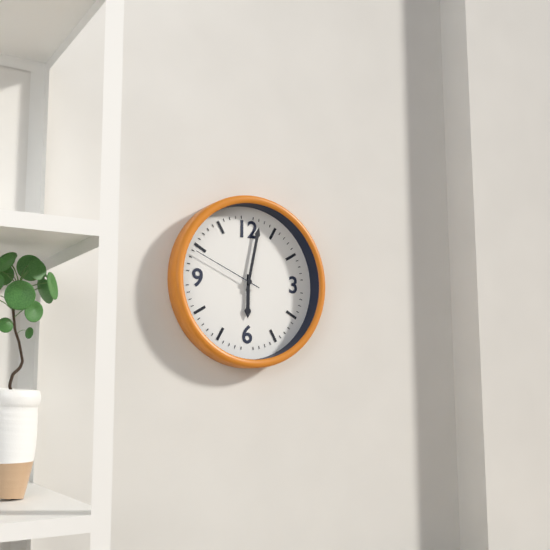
6:02:49
